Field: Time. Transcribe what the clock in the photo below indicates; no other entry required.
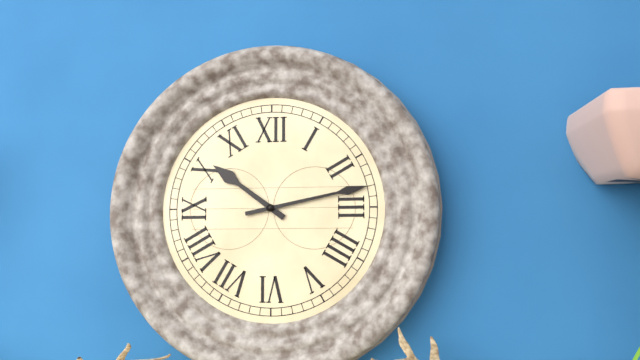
10:13
